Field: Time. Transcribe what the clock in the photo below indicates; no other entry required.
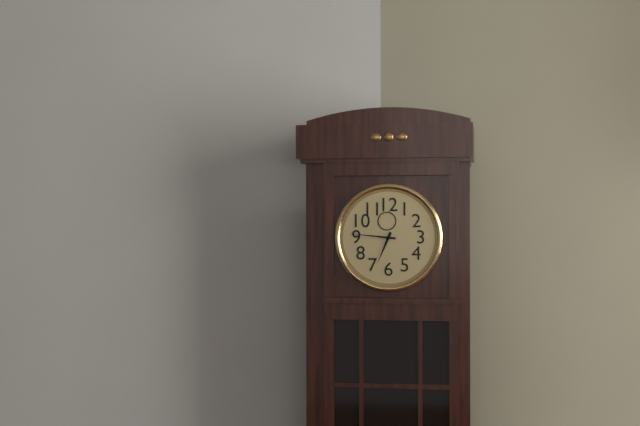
6:46
